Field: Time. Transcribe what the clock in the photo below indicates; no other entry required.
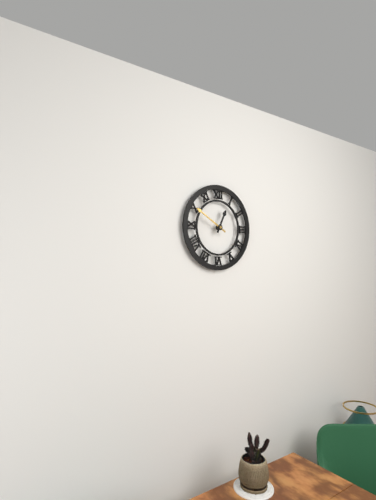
12:50
